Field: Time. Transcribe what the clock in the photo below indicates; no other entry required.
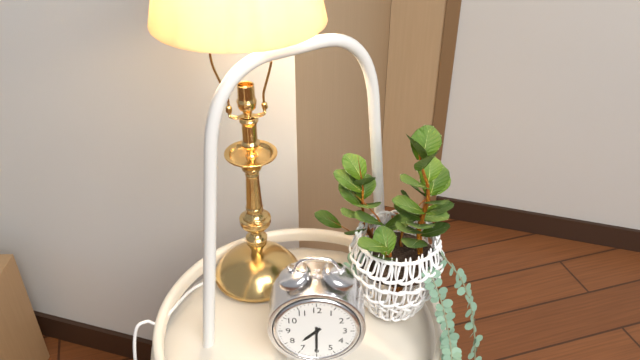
7:30
